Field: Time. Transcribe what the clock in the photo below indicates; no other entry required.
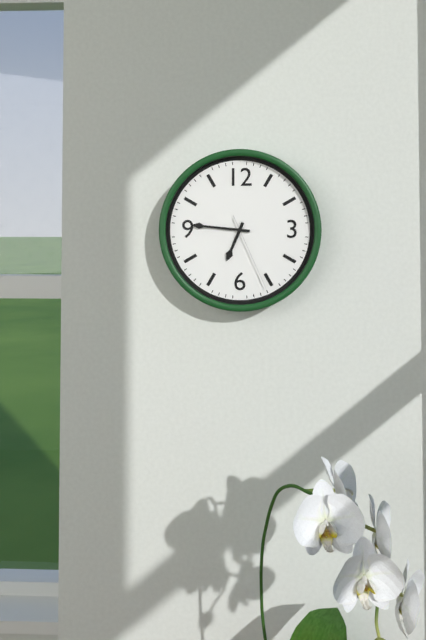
6:46:26
